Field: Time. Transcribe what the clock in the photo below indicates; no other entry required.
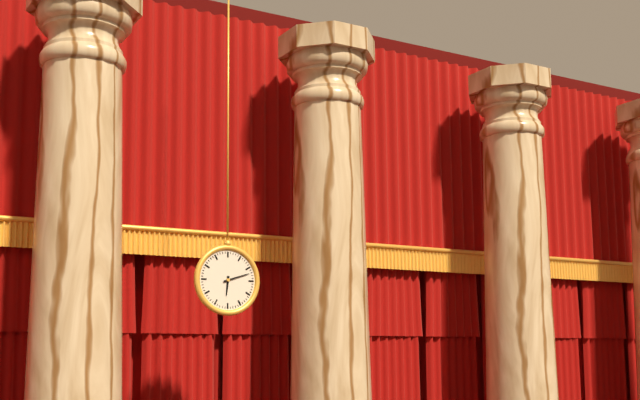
6:12
